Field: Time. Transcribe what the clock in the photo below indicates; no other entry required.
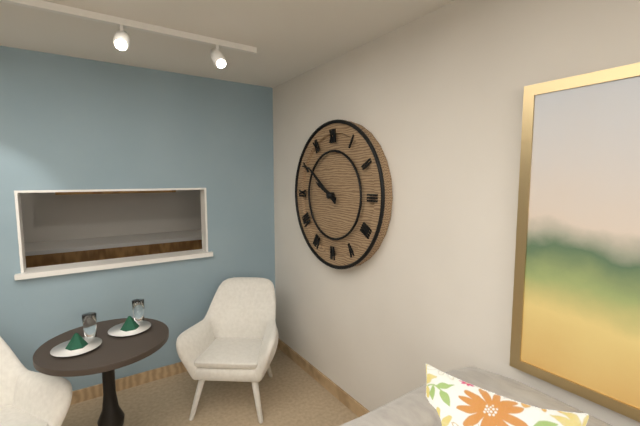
9:51
